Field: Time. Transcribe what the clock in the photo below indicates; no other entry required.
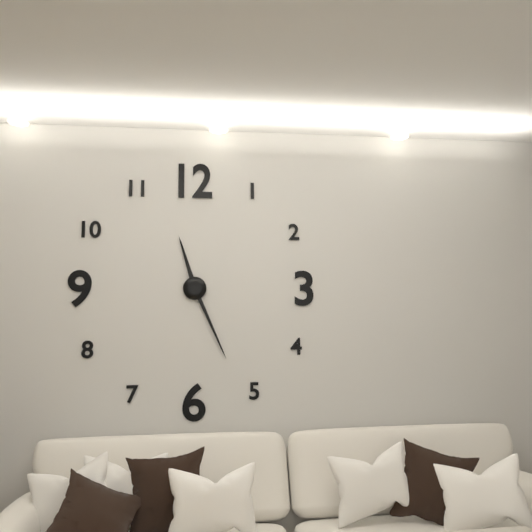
11:26
